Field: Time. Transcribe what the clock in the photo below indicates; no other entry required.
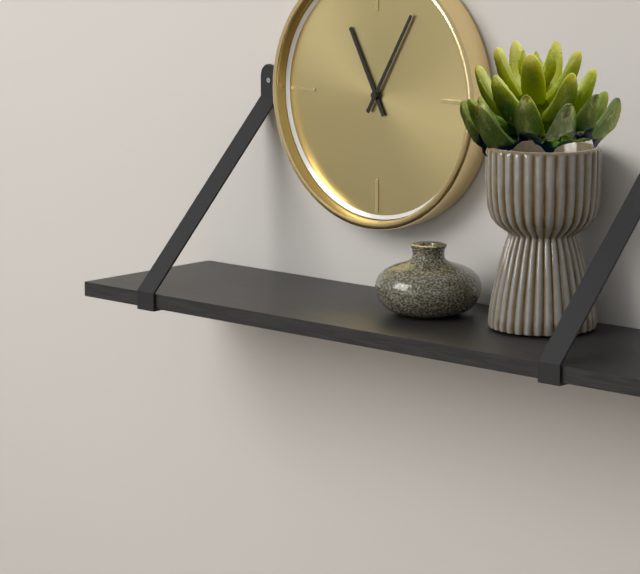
11:05
